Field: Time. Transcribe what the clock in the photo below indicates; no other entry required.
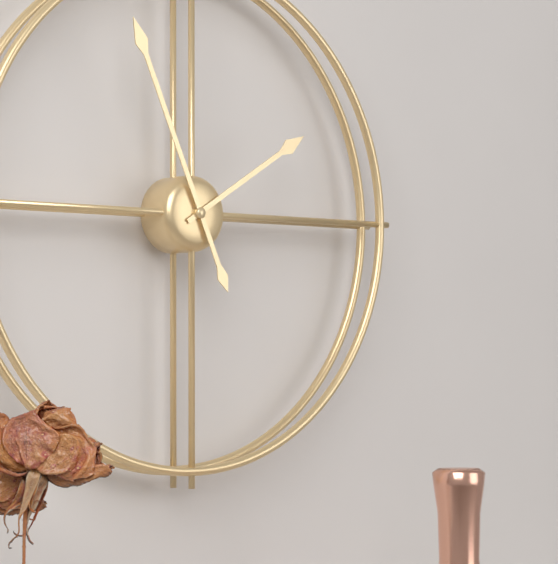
1:56
